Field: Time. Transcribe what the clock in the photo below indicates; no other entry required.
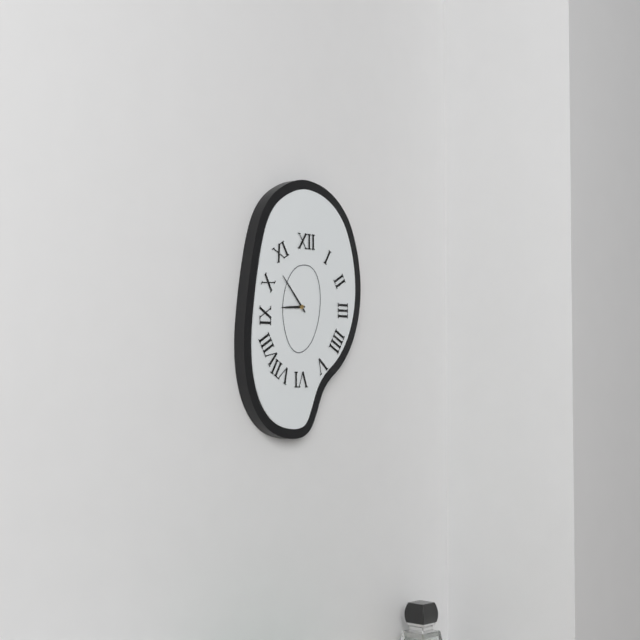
8:53
